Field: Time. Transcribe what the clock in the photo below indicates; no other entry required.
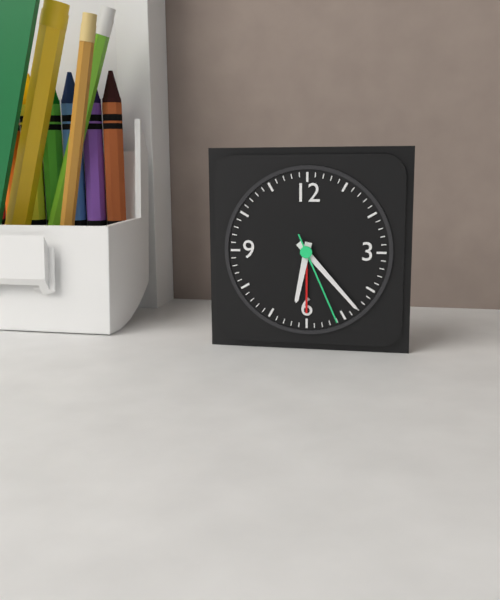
6:23:26
